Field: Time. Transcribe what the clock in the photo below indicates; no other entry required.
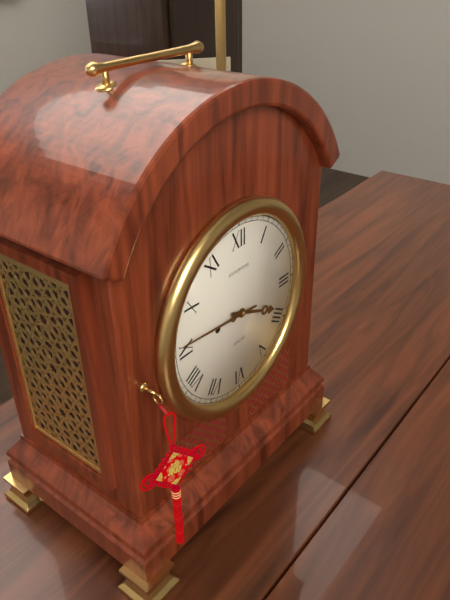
3:46
